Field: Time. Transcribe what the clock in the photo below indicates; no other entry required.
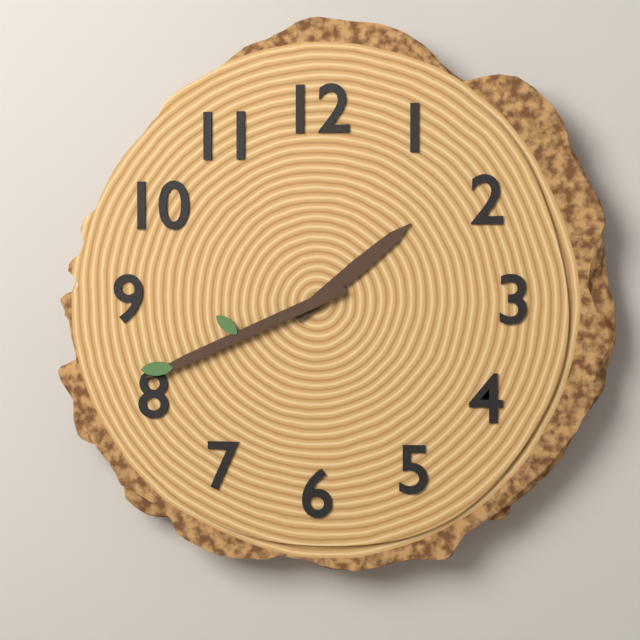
1:41
